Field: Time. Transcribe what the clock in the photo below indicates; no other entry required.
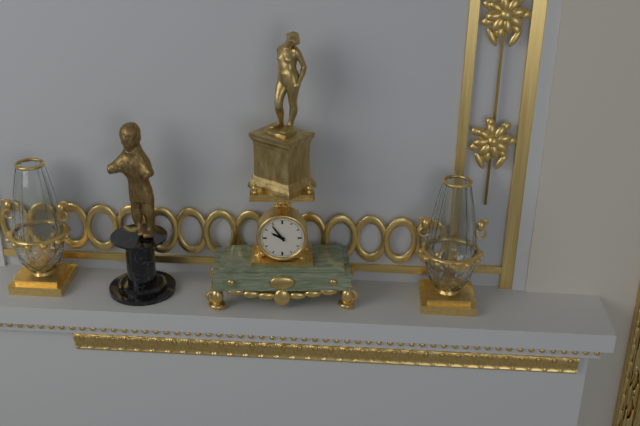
9:54
